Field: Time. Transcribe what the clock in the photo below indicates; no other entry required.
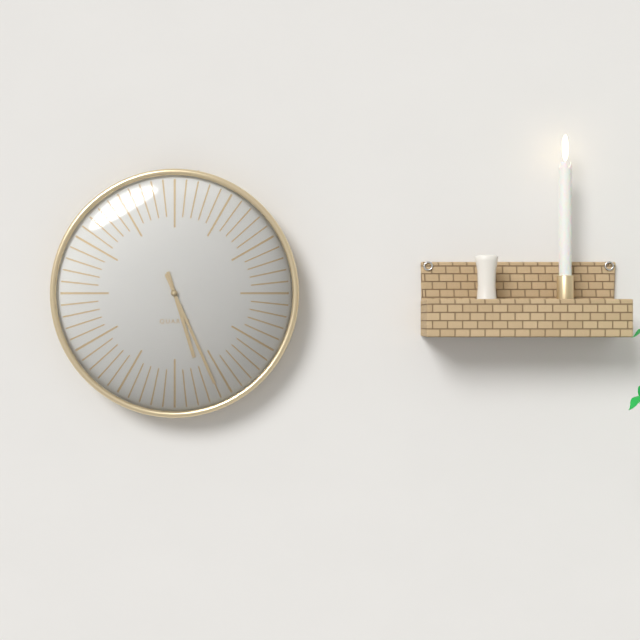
5:26
